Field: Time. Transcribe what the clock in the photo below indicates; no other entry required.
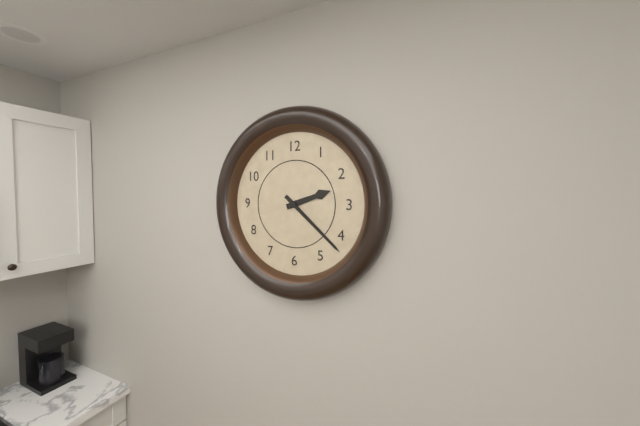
2:22
